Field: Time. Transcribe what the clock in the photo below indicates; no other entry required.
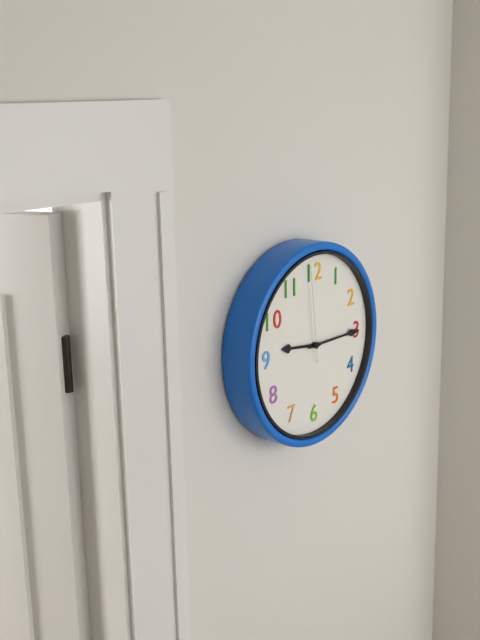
9:15:59
